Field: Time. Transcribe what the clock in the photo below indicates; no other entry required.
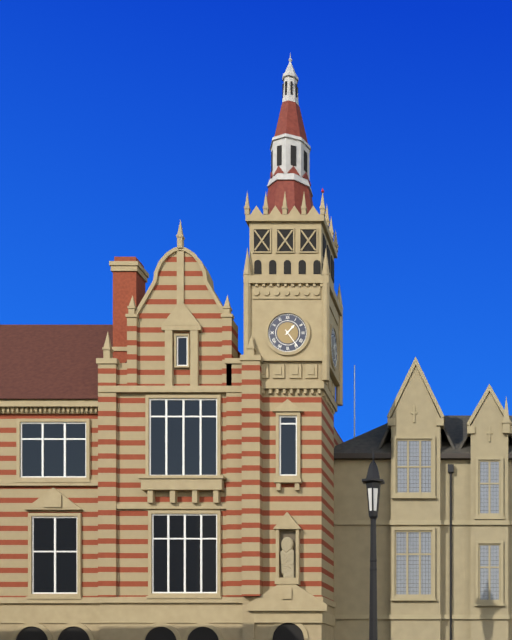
1:24
